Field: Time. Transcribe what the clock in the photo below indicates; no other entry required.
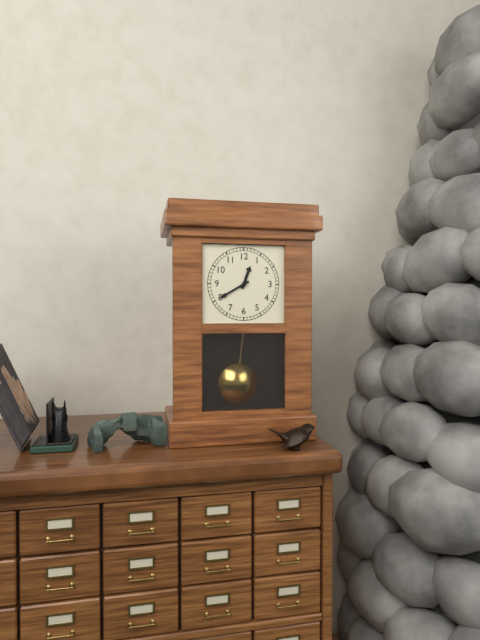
12:40
